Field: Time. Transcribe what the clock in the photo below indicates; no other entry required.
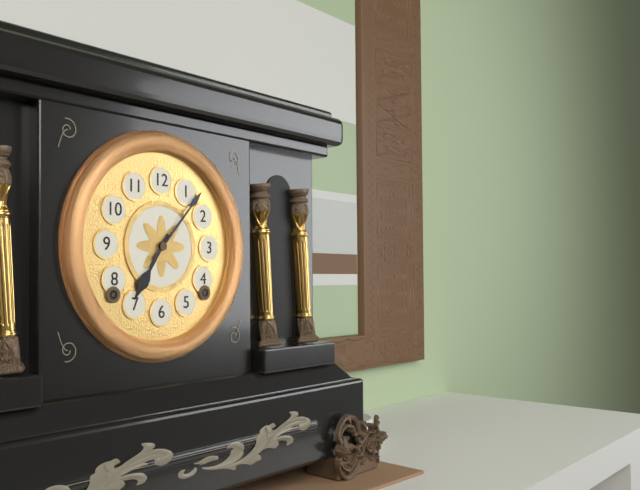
7:07
